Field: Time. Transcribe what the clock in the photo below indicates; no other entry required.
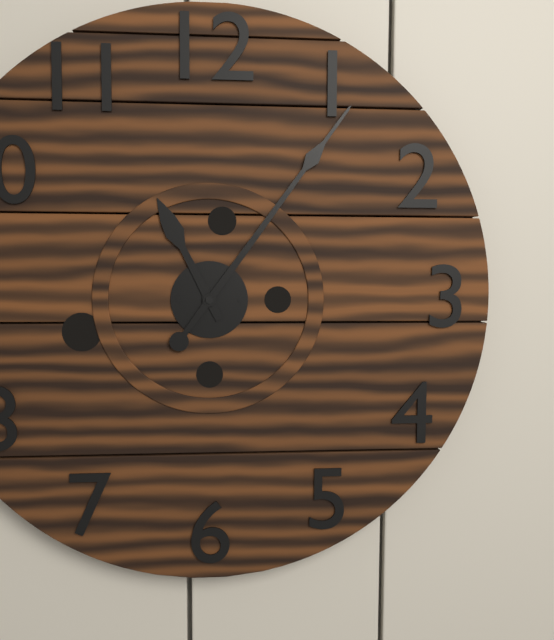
11:06
